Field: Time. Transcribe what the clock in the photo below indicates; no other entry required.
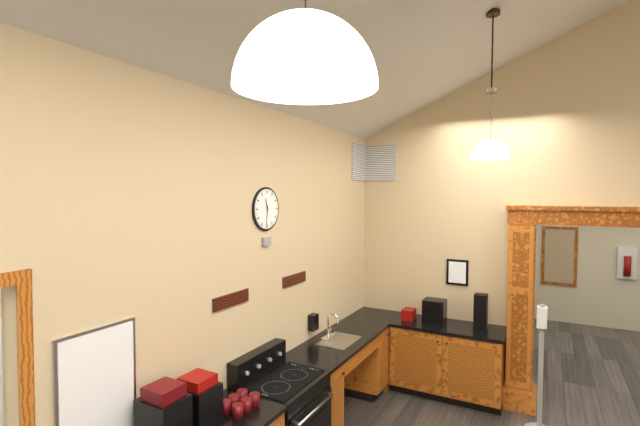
11:31
